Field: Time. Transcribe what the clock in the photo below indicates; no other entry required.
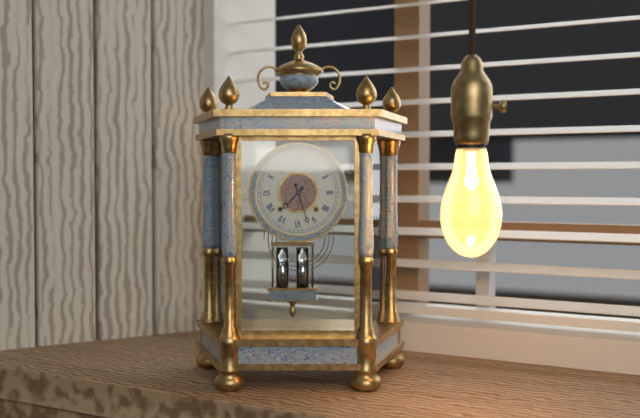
7:27
